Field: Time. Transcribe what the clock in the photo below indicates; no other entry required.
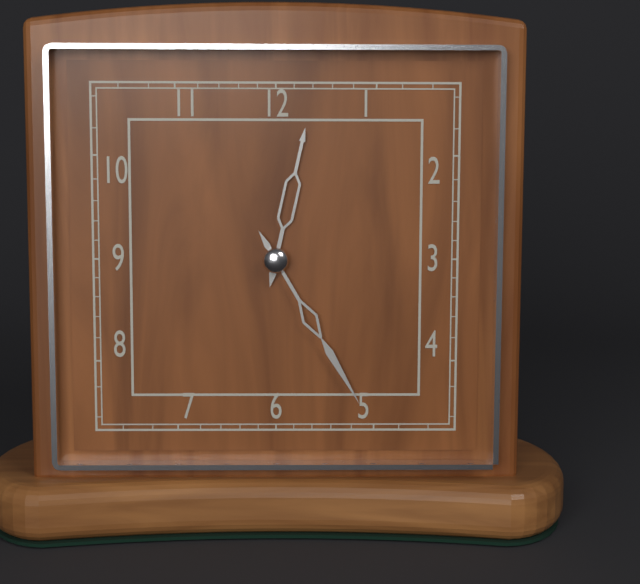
12:25
